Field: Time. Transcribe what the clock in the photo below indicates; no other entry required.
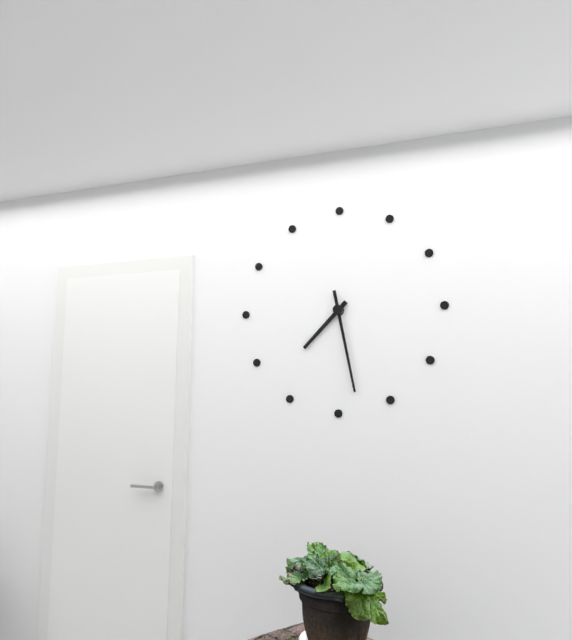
7:28
